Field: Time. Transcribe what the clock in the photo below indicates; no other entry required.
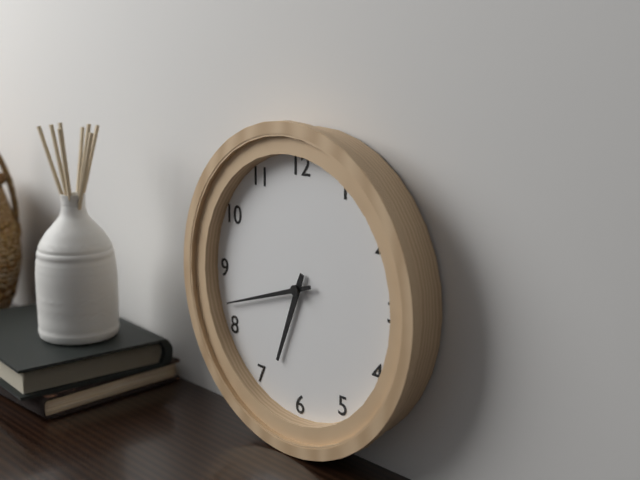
6:42
